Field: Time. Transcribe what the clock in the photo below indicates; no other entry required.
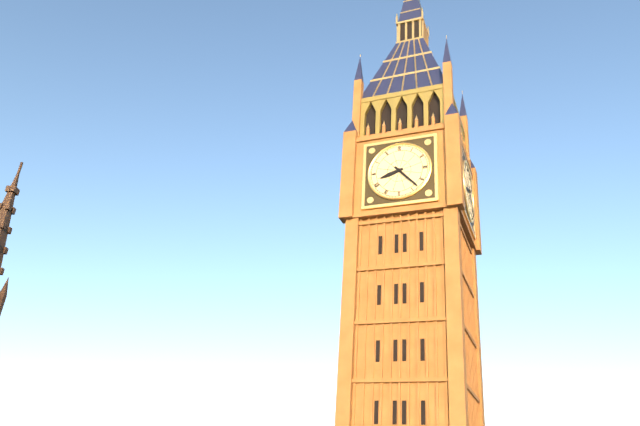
8:23
